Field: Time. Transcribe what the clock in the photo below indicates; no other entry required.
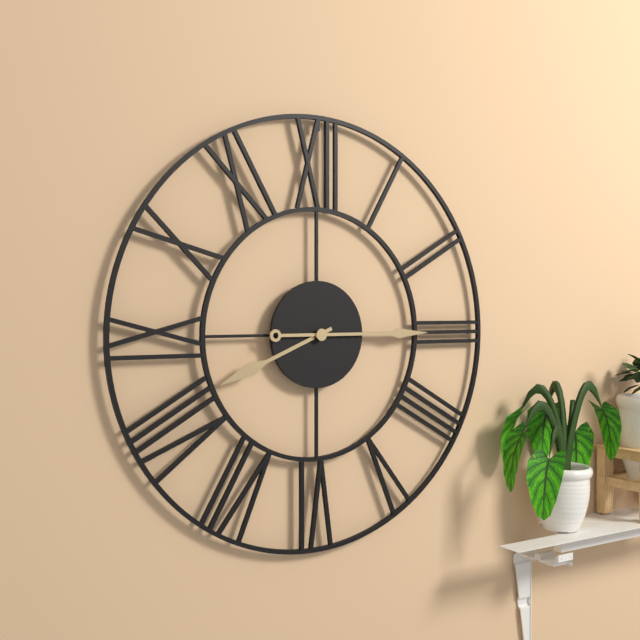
8:15
